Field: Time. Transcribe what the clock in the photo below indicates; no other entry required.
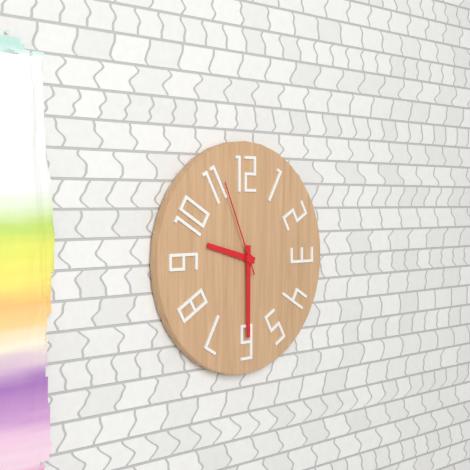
9:30:56
